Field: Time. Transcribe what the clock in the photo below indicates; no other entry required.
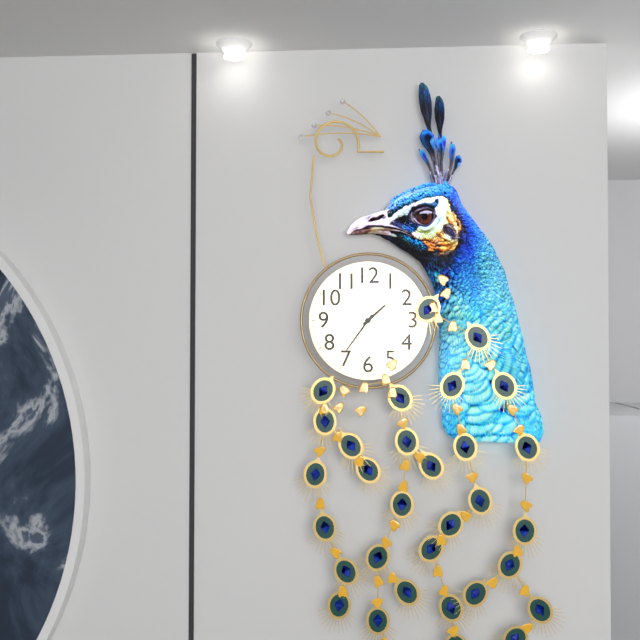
1:36
